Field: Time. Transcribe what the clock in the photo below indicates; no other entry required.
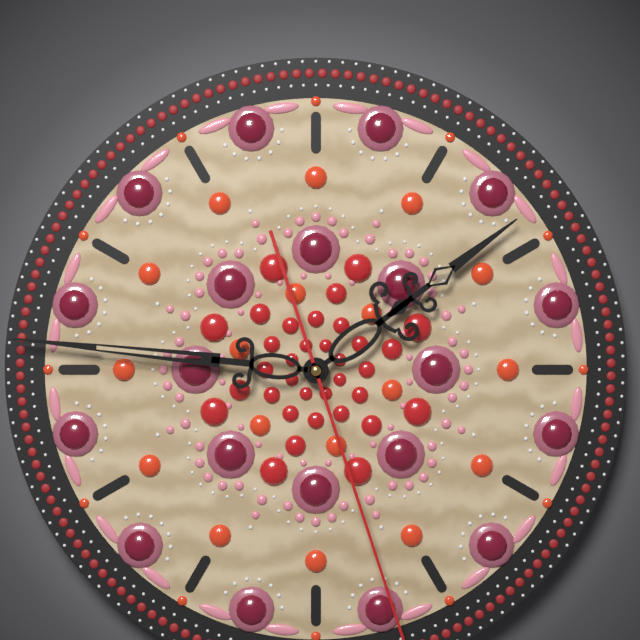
1:46
